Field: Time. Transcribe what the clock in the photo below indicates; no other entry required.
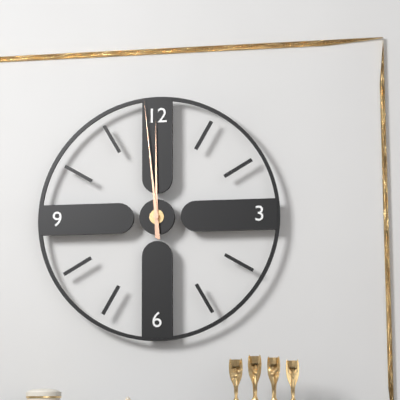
11:59
